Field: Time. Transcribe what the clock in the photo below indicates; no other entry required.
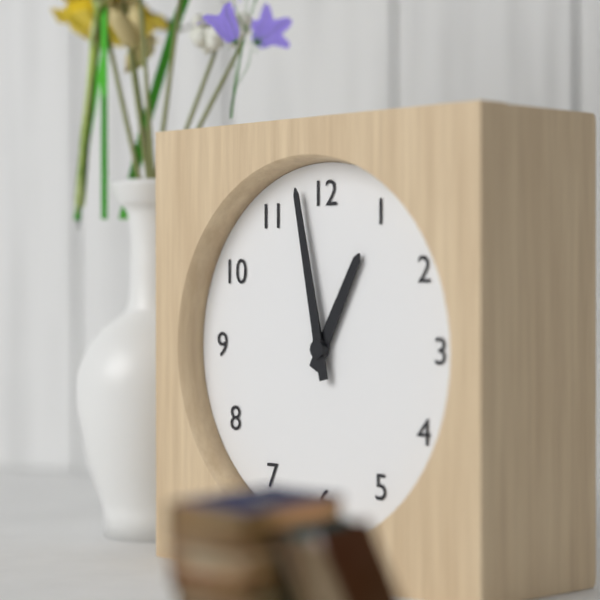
12:58
